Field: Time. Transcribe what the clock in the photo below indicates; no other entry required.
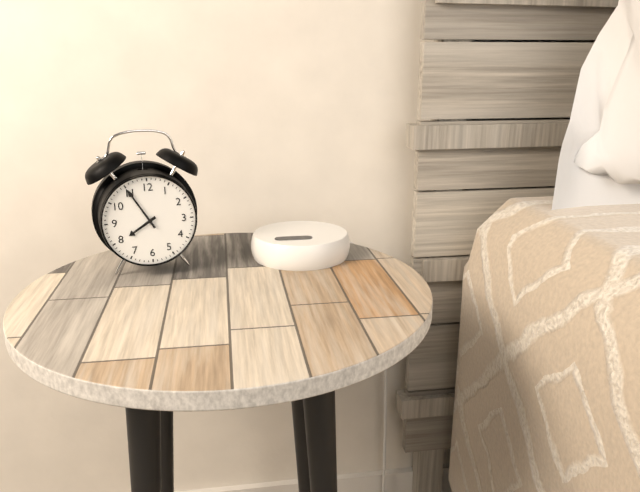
7:55
